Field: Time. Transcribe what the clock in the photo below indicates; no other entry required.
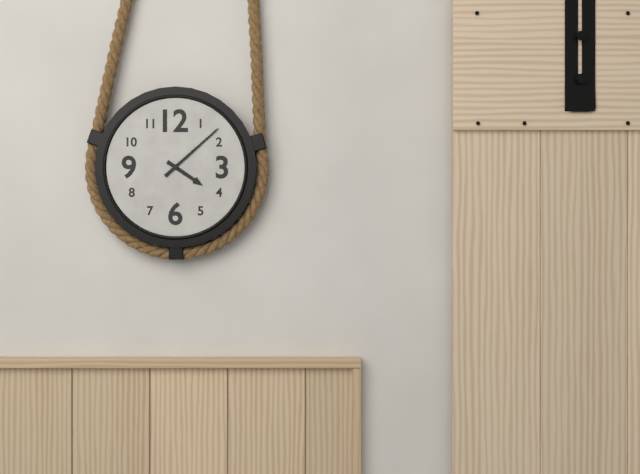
4:08
